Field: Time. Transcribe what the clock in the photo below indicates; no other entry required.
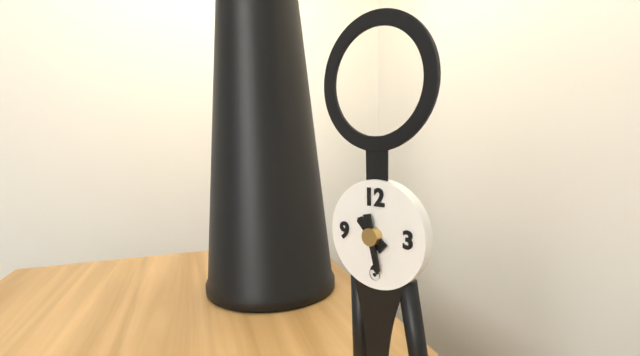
10:28
